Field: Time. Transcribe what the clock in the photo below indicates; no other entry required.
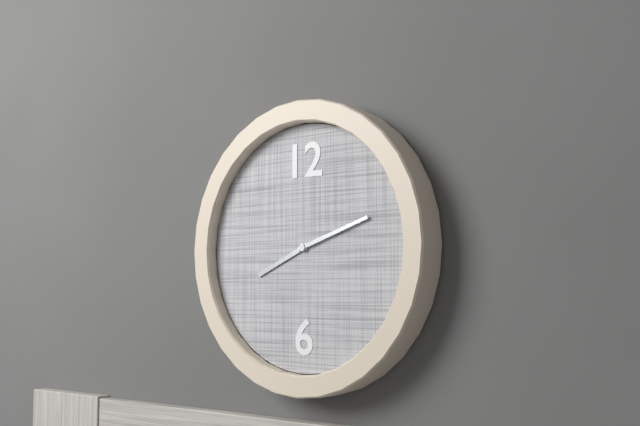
8:12
